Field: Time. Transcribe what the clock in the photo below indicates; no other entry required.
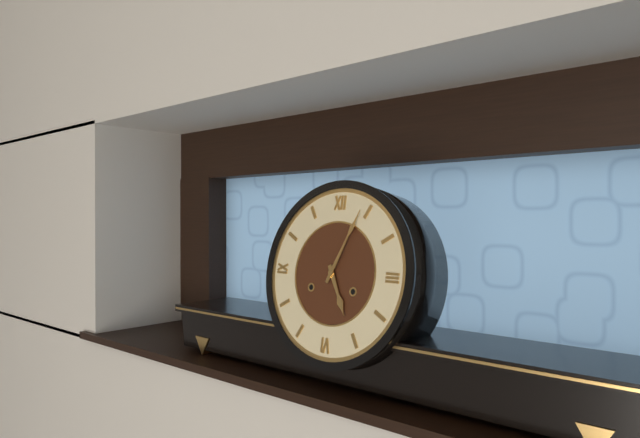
5:04
